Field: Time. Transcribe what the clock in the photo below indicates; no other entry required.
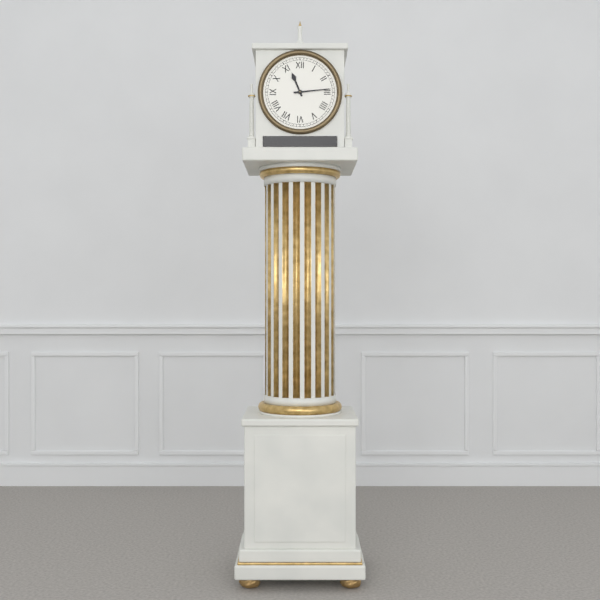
11:14
